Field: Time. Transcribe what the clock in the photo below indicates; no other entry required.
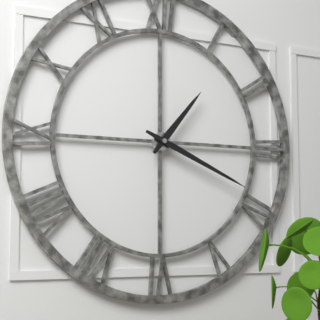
1:19
